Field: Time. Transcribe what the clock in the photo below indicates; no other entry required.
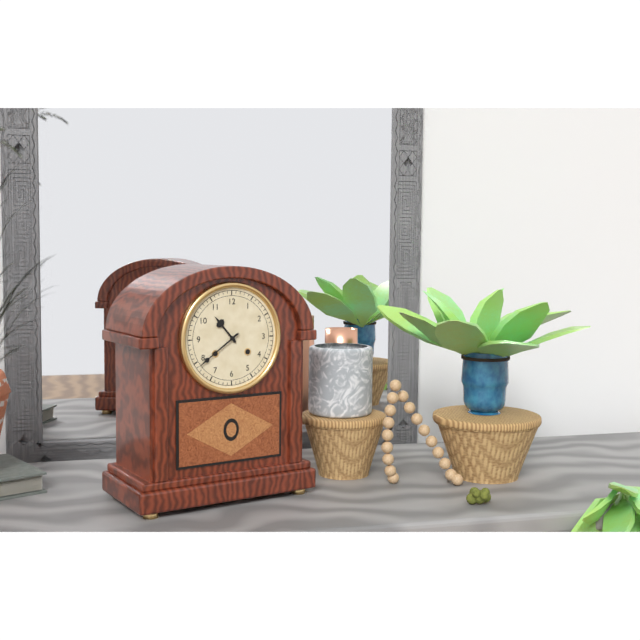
10:39
